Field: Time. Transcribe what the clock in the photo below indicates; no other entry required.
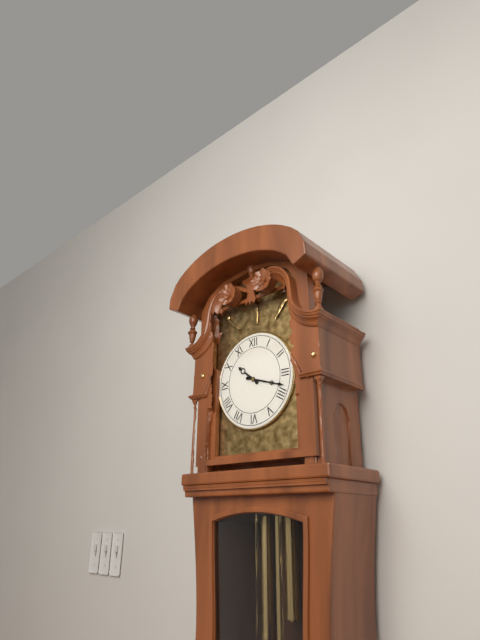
10:18
